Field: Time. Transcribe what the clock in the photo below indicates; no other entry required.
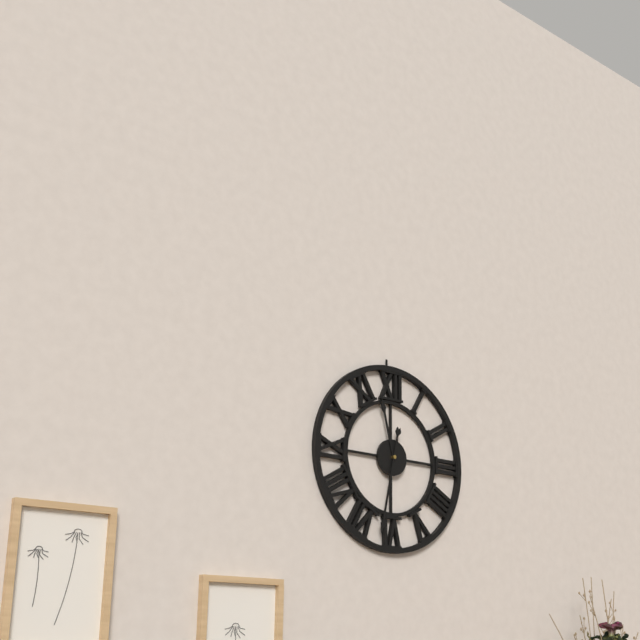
11:32
